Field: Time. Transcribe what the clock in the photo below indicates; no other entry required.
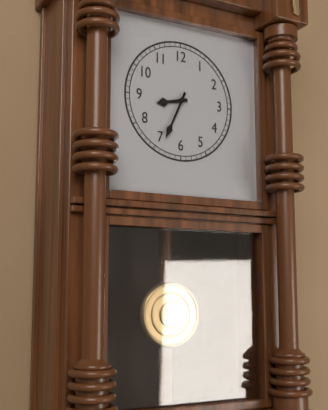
8:34
